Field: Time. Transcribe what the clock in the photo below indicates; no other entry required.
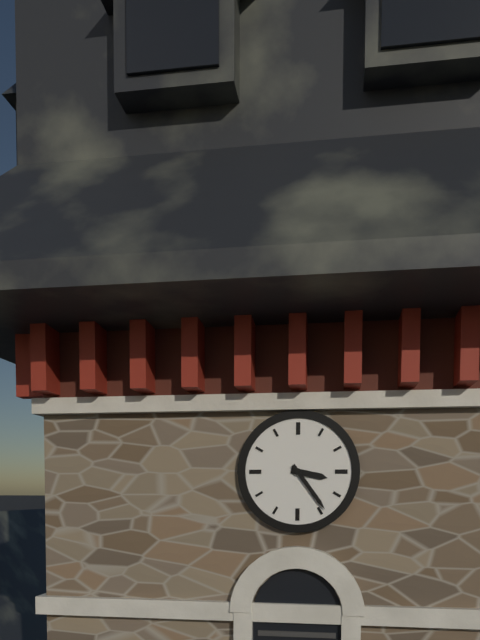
3:24
